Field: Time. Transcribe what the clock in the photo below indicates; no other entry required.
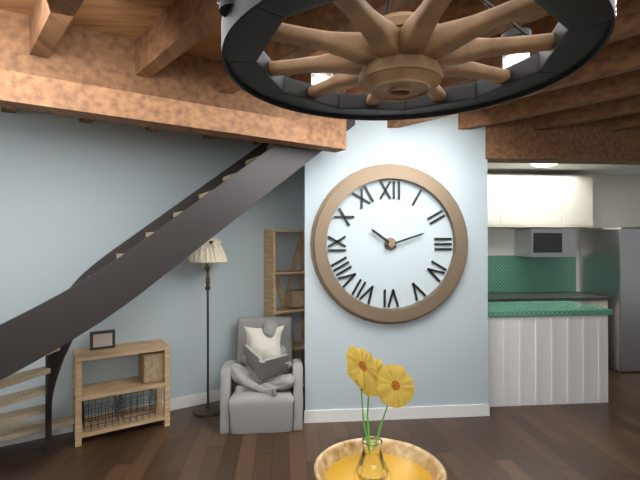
10:12
